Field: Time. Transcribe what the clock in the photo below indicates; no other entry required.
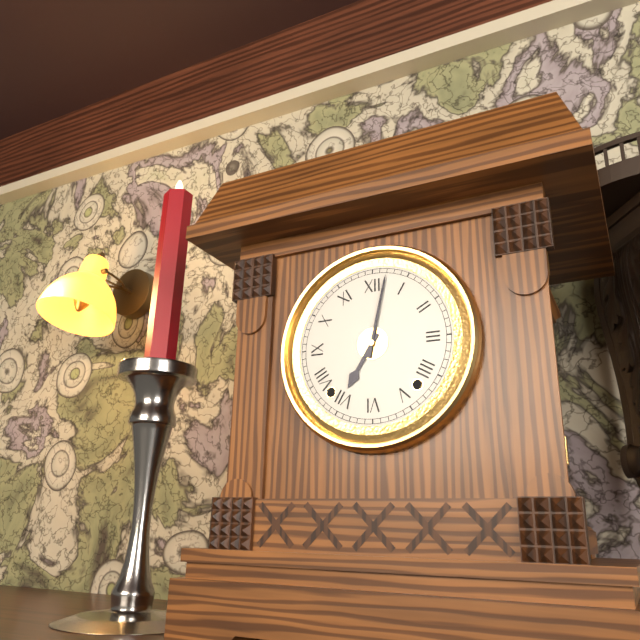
7:02
